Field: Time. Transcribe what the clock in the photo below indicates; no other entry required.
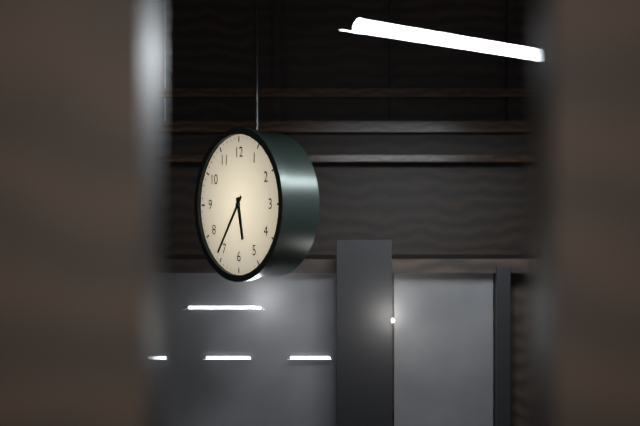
5:36
